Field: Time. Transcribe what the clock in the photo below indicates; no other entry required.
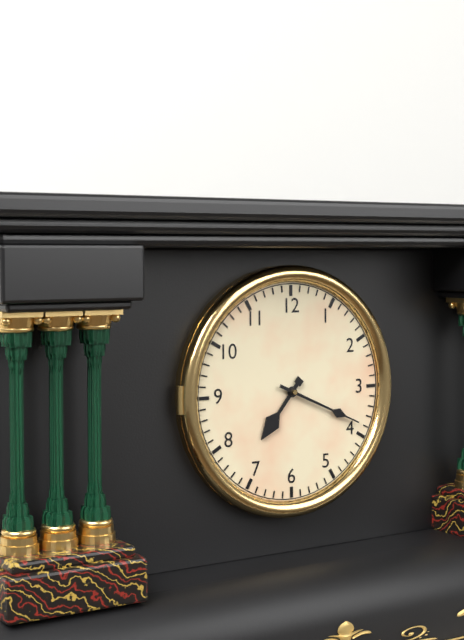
7:19
